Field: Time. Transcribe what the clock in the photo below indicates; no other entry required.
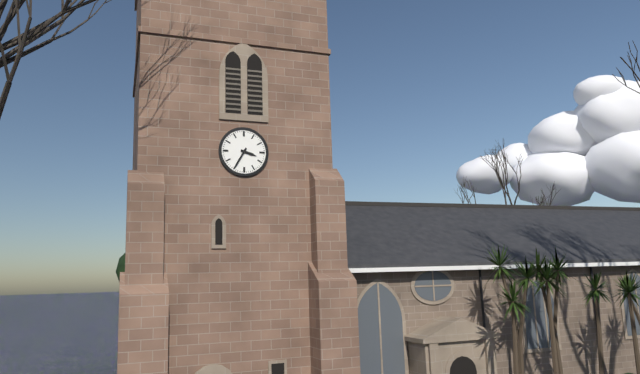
3:35
